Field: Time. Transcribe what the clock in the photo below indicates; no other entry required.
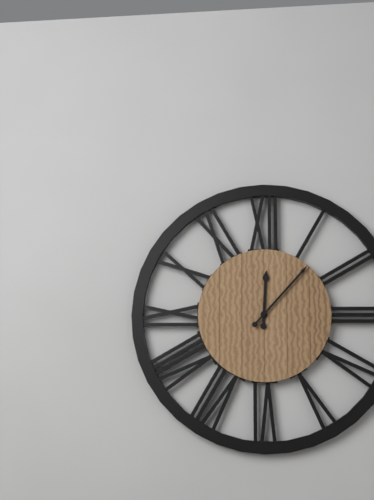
12:07
